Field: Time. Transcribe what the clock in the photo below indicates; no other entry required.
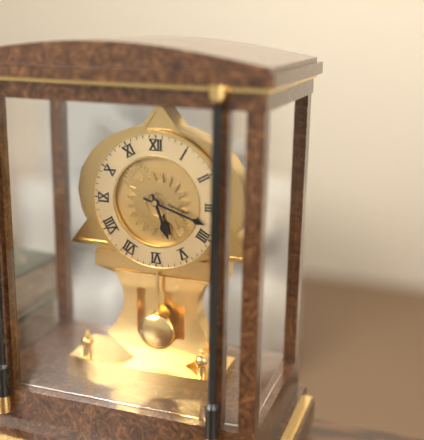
5:18
